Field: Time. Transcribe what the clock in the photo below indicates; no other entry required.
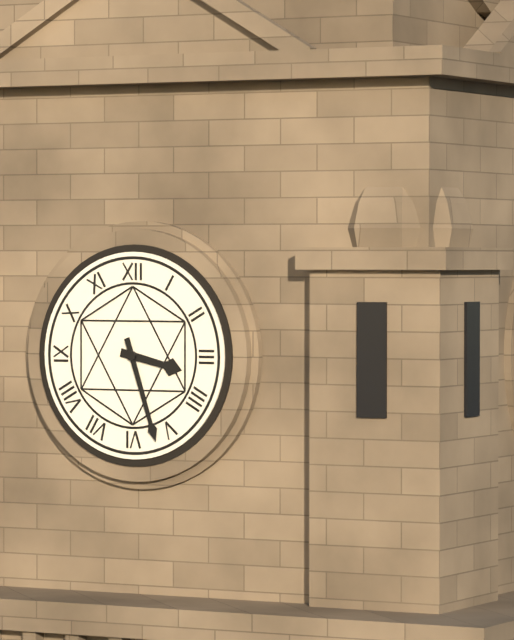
3:27
